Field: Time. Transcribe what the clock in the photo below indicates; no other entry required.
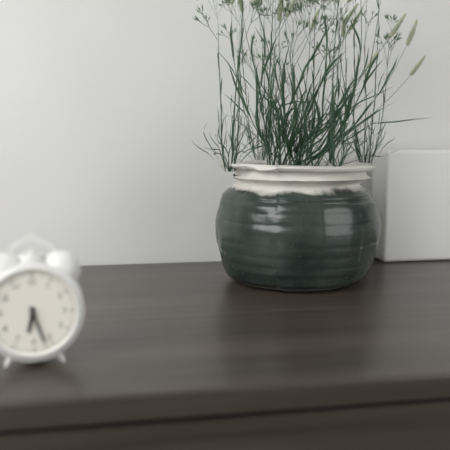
6:27
